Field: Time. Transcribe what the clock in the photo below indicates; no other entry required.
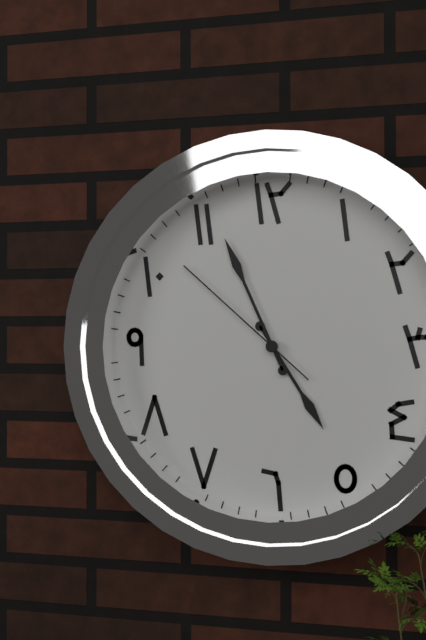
4:56:52
